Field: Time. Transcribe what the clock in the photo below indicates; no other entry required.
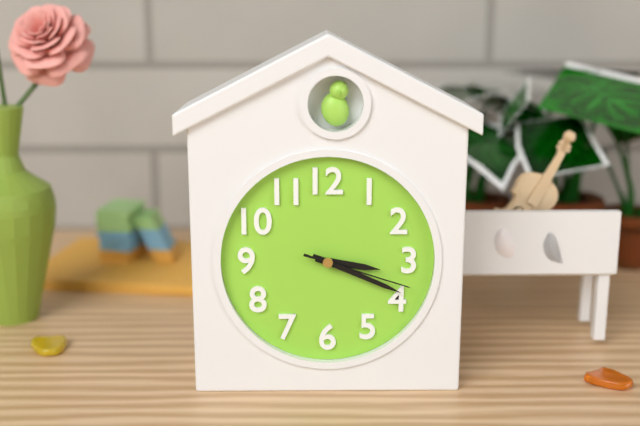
3:19:18
